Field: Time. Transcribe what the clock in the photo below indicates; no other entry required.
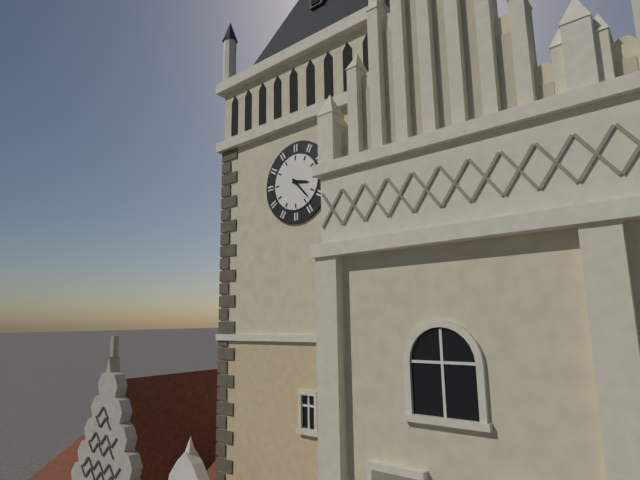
3:23
